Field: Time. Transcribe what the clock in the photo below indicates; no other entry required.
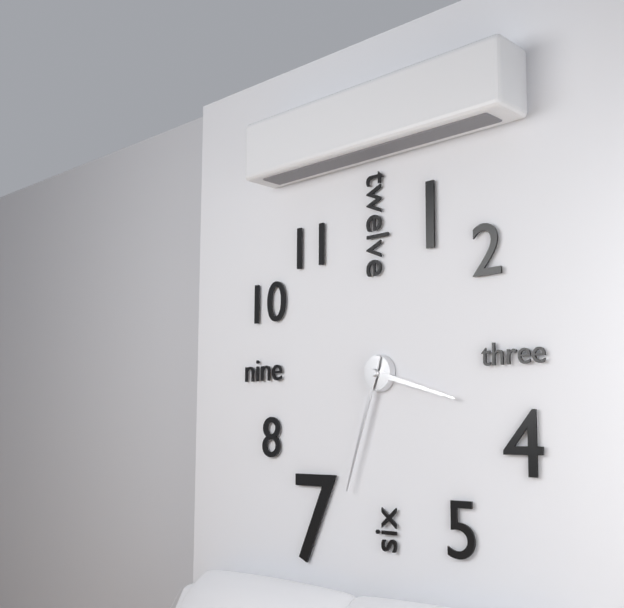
3:33
